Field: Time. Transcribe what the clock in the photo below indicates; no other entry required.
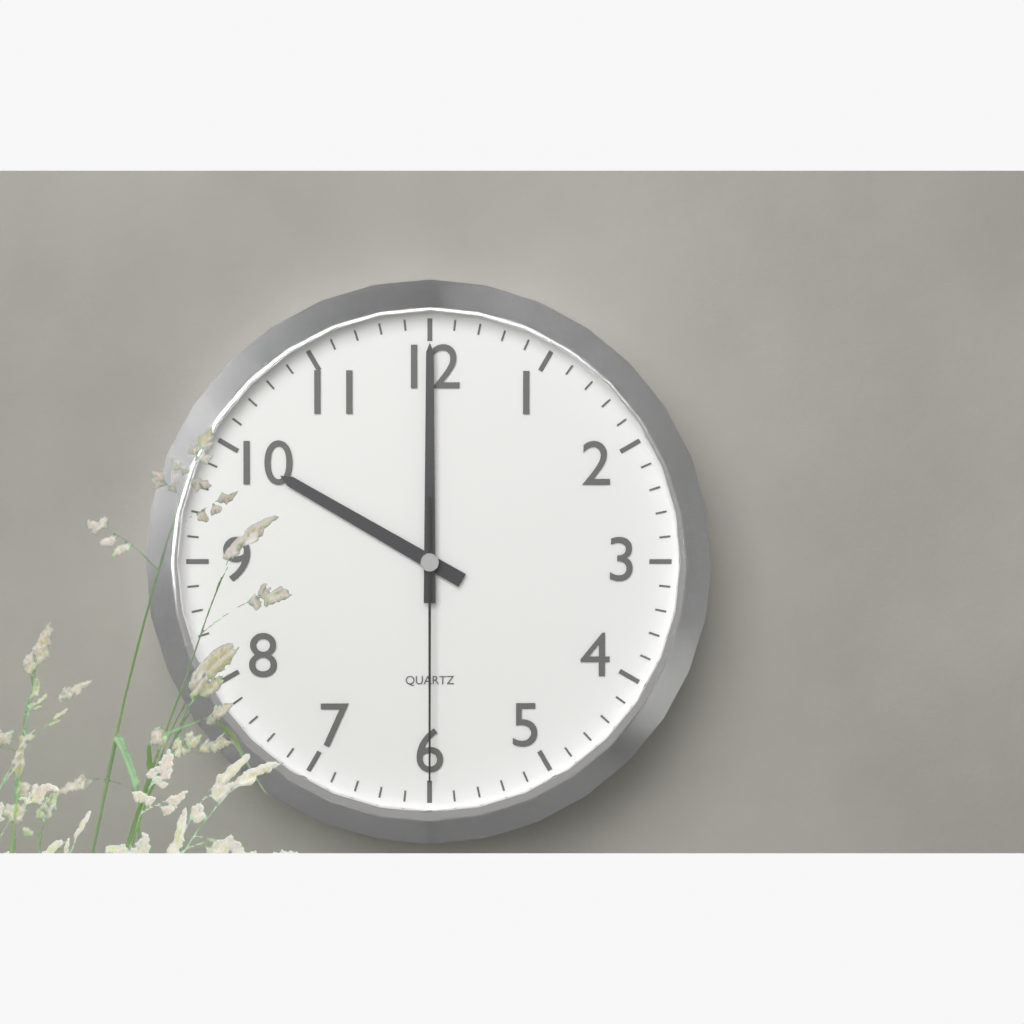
10:00:30
